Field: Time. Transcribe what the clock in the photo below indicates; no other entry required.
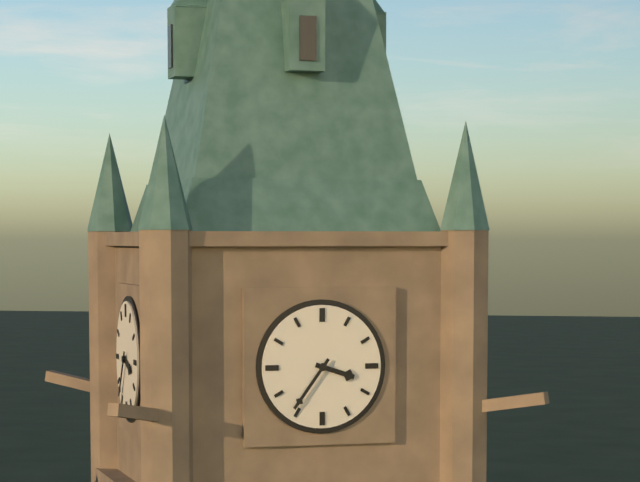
3:36
